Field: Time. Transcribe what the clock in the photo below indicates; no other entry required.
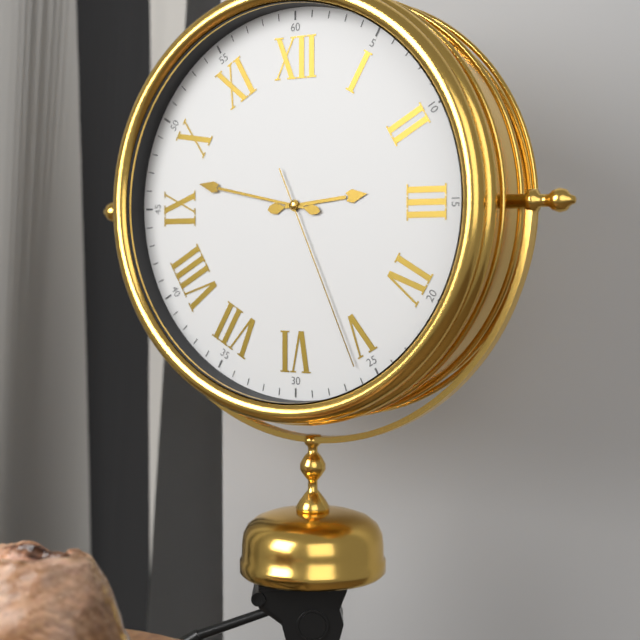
2:47:26
